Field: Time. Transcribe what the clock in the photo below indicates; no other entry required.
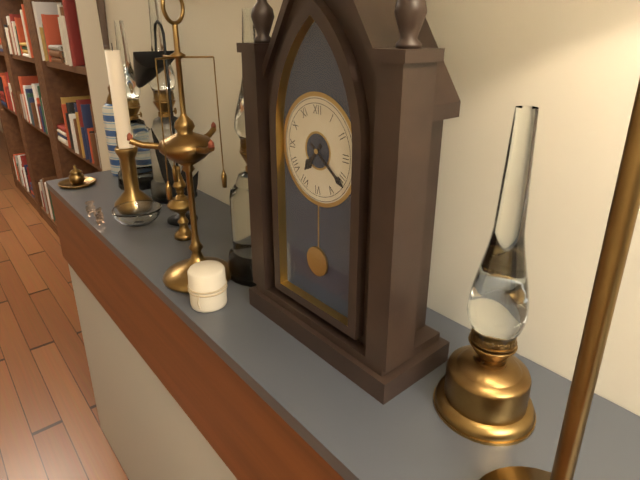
7:21
